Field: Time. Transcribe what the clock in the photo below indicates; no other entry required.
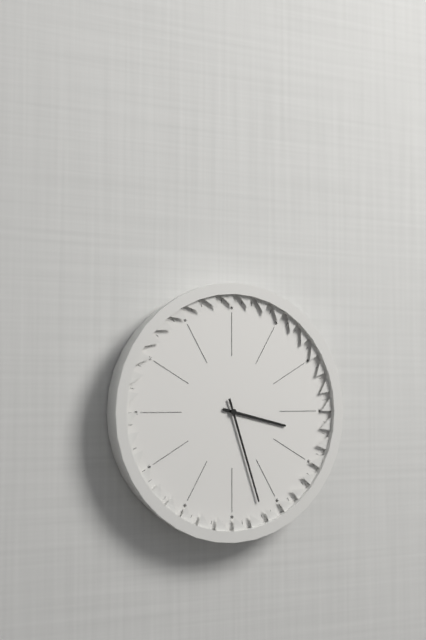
3:27
